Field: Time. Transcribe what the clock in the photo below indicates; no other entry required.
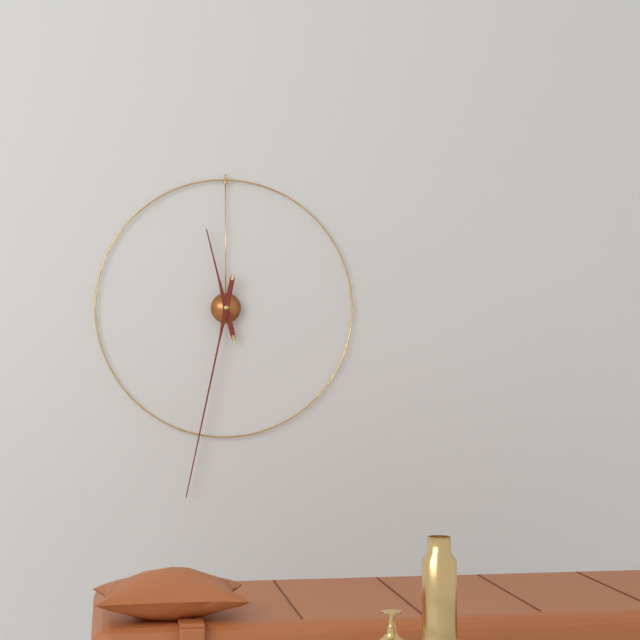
11:32
